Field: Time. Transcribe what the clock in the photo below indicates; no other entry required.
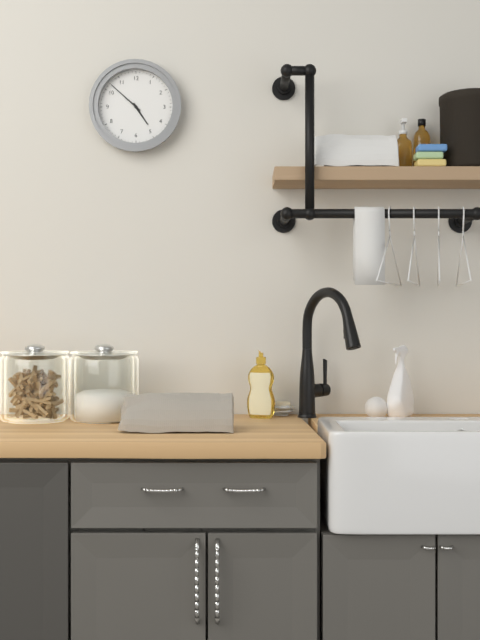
4:52
